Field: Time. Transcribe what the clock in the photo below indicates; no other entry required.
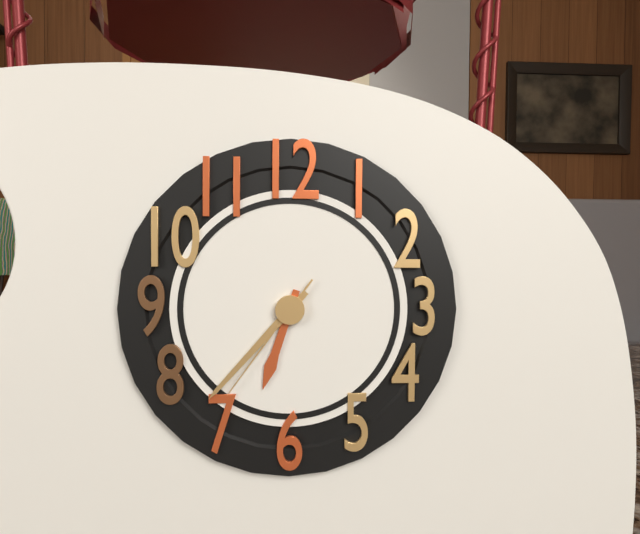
6:37:36
